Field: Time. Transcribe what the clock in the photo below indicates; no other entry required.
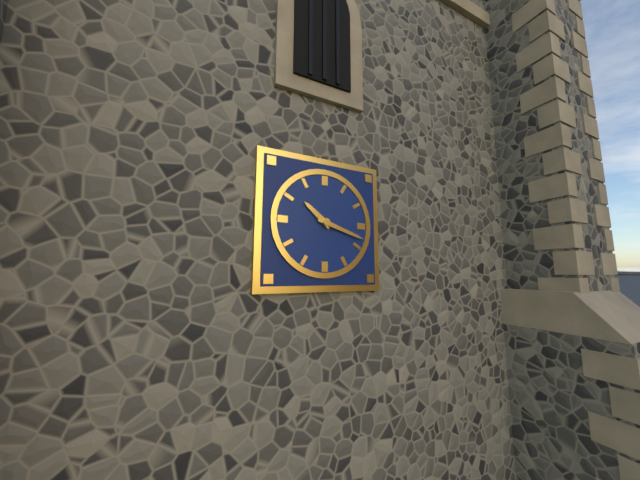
10:18
